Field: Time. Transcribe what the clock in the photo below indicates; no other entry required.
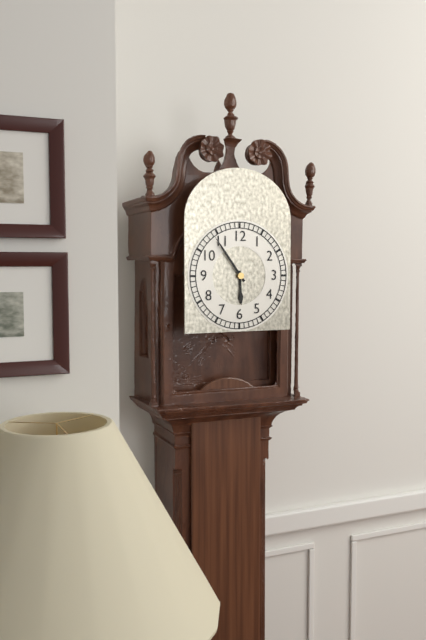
5:54
